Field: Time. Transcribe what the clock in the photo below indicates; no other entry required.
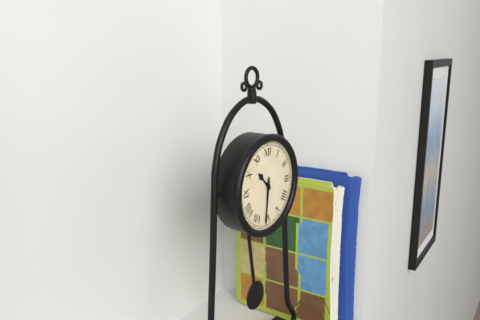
10:31
